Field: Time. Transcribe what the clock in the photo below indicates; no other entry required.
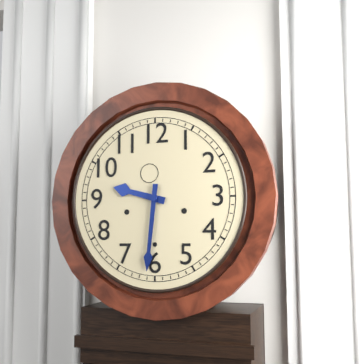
9:31
